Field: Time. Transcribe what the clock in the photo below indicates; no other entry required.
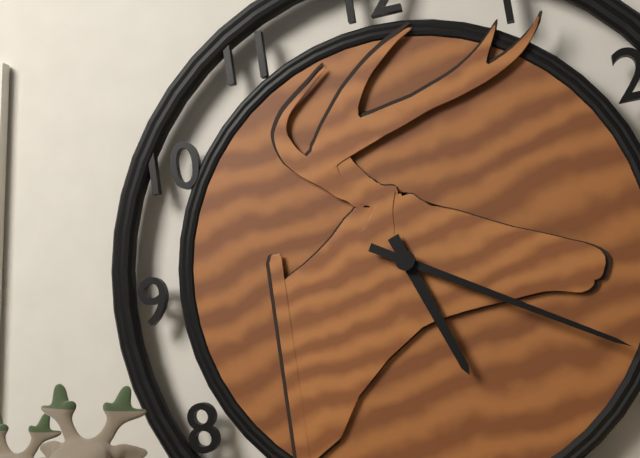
5:20
